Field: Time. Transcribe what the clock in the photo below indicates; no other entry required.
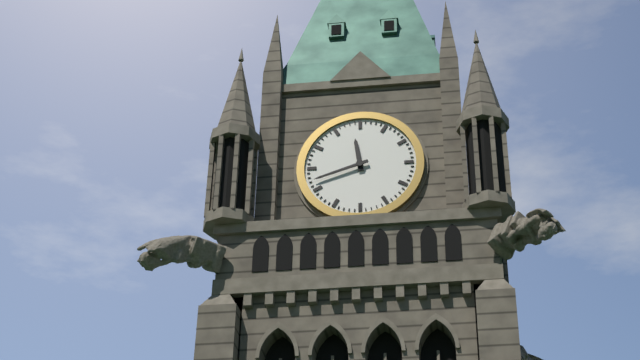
11:42
